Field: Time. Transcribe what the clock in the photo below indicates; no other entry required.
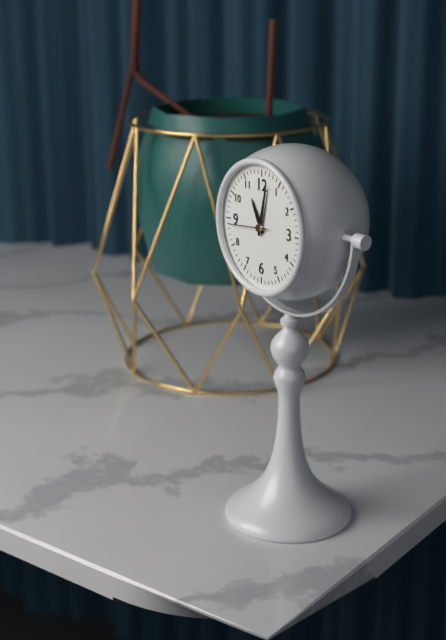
11:02
